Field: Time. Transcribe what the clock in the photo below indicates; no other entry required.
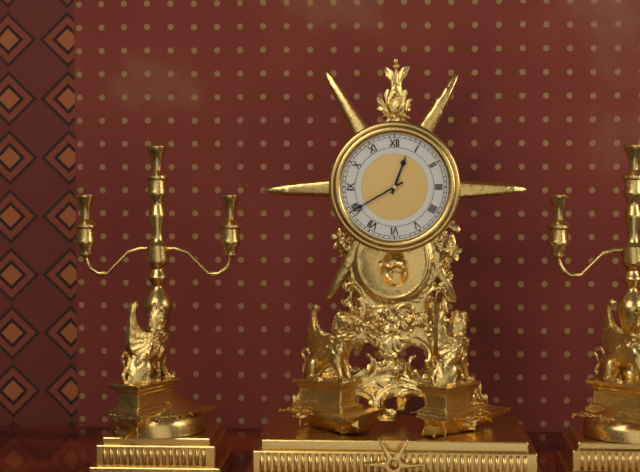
12:40
